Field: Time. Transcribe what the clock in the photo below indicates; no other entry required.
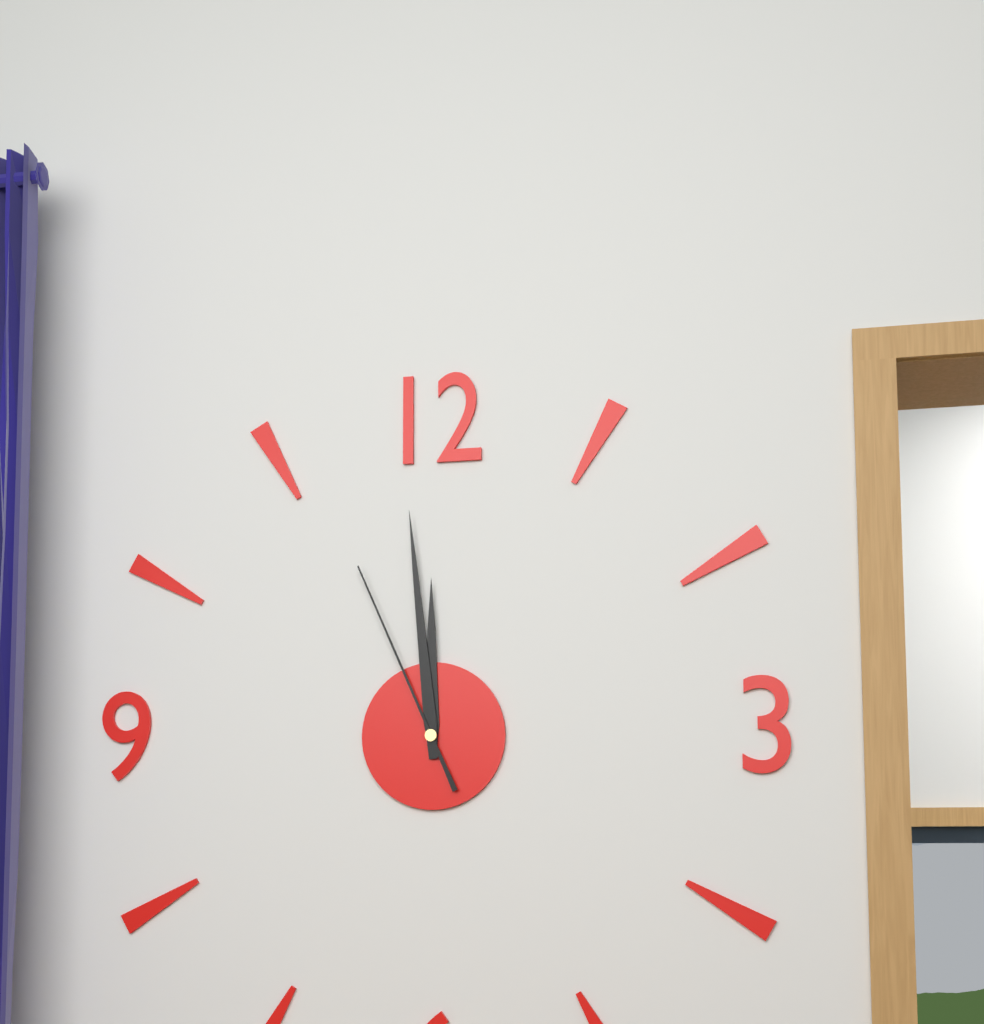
11:59:56
